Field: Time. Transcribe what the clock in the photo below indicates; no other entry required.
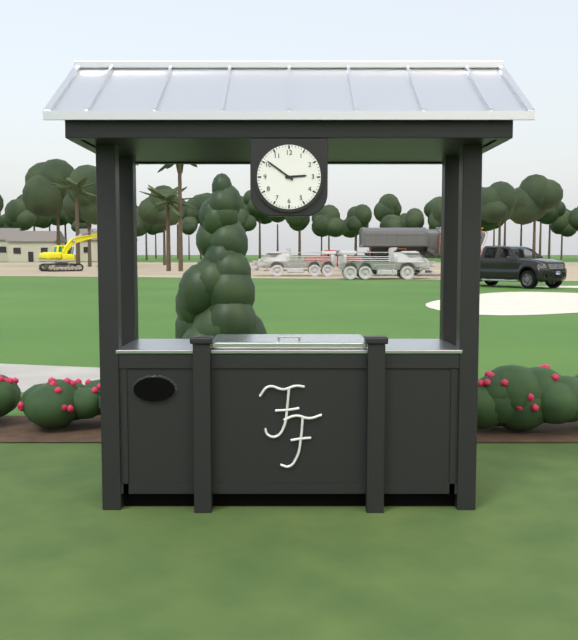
2:51
